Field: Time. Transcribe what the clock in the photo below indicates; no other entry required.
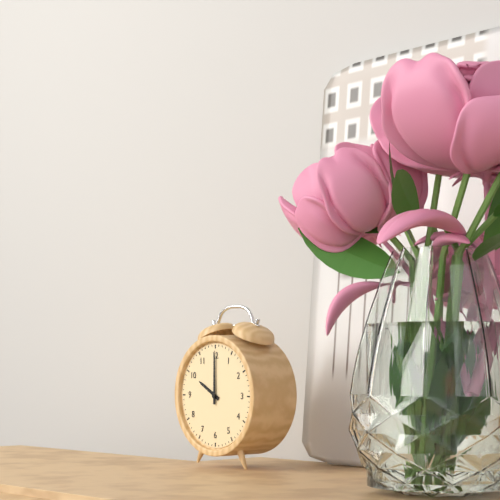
10:00
